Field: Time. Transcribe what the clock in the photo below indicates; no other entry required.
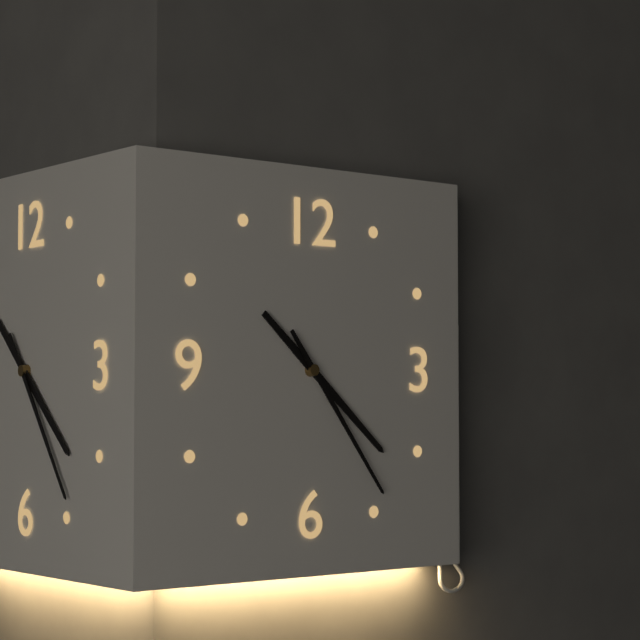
4:24
